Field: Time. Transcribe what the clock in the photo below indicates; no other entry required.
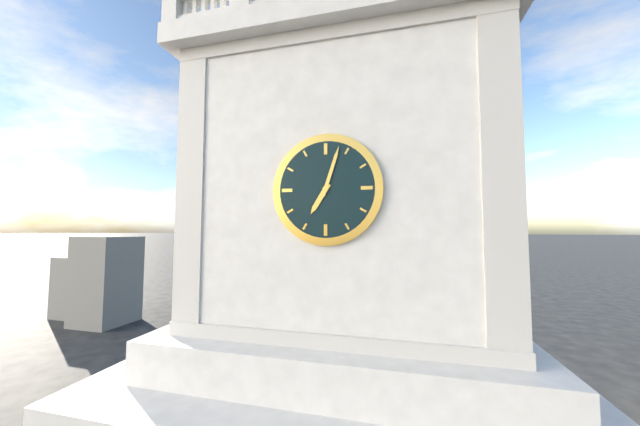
7:03
